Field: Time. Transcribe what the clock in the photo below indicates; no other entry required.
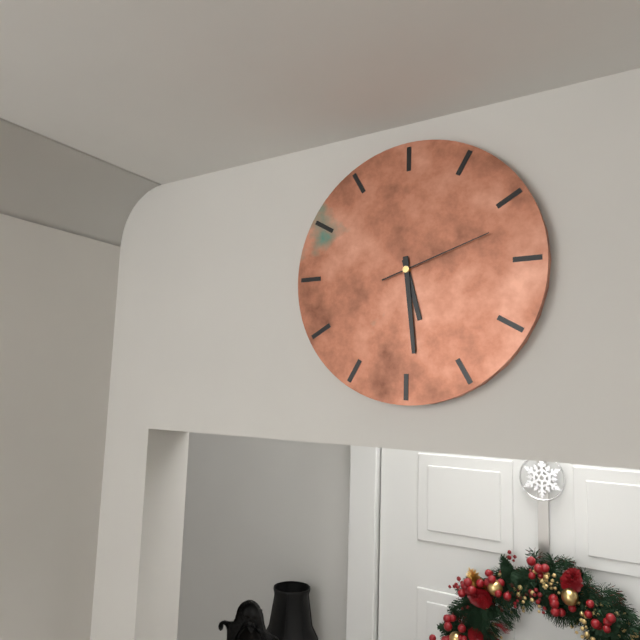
5:29:12
